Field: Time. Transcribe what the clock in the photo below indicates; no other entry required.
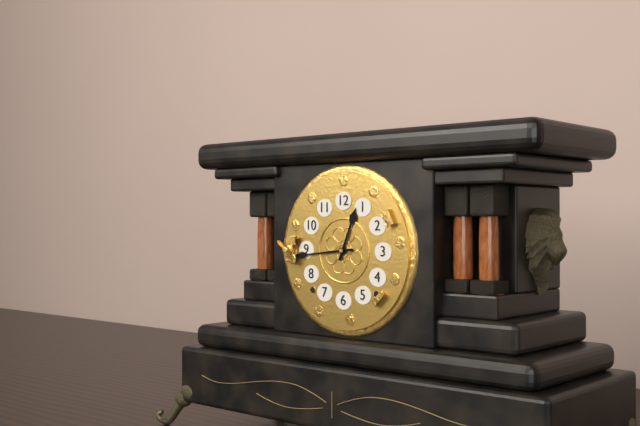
12:44
